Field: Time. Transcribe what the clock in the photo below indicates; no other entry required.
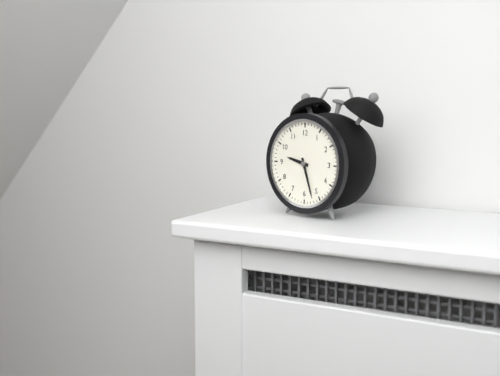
9:27
